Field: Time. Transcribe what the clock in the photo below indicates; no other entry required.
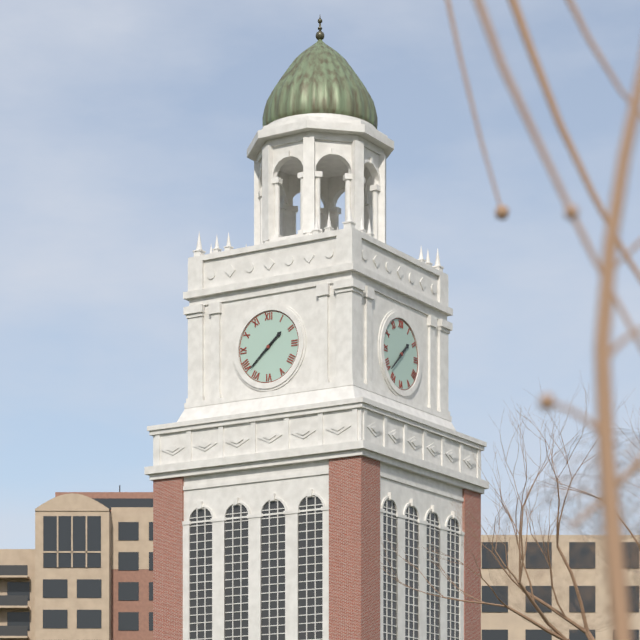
1:38
